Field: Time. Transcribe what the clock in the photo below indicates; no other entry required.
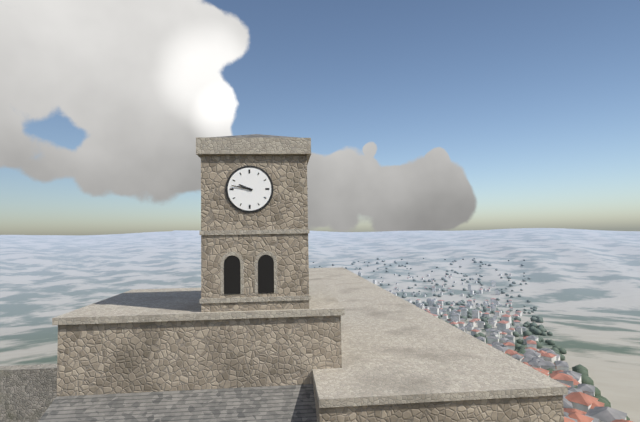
9:47
